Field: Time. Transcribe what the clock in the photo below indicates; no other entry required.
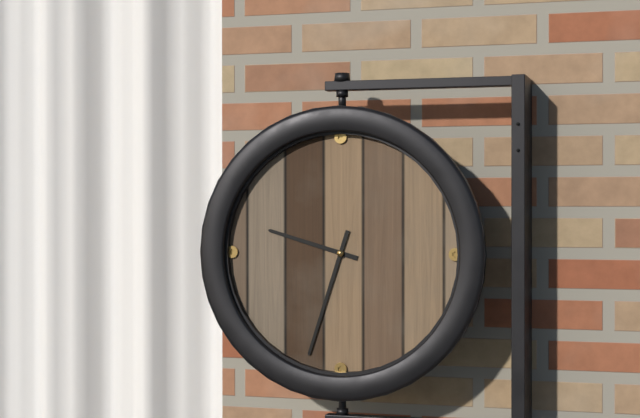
9:33
